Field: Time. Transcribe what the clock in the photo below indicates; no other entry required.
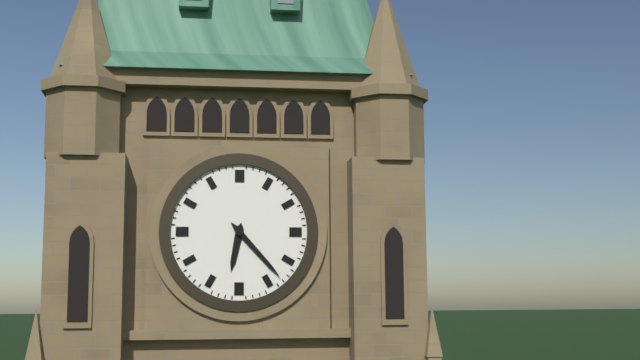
6:23
